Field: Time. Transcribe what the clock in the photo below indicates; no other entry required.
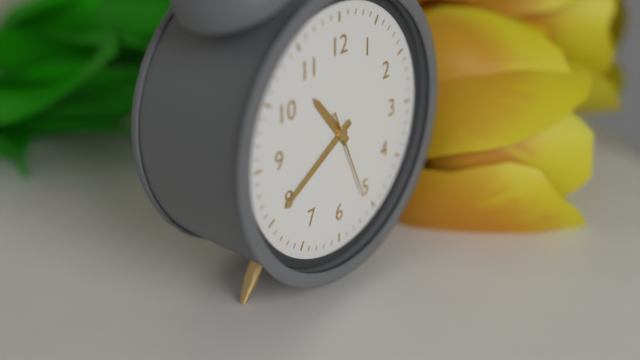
10:40:26
